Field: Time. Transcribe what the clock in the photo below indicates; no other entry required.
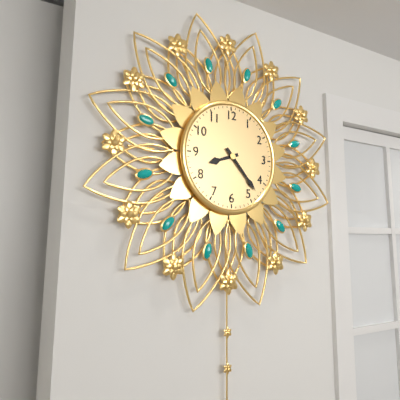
8:23
